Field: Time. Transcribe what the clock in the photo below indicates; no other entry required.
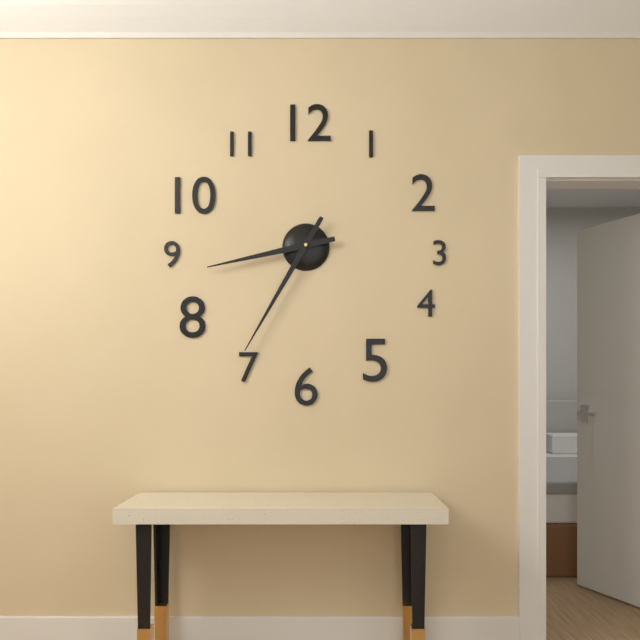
8:35
